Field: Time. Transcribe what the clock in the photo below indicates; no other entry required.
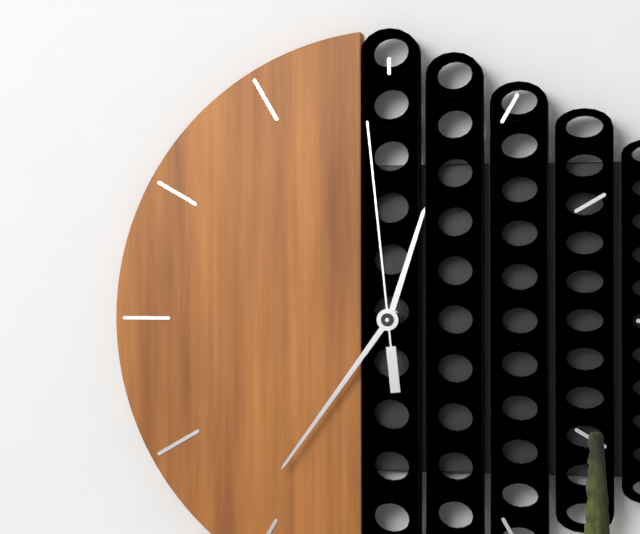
12:36:59
